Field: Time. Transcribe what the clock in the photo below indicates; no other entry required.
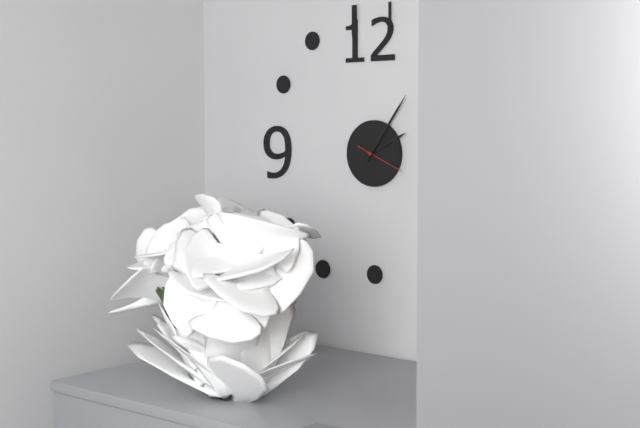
2:06
